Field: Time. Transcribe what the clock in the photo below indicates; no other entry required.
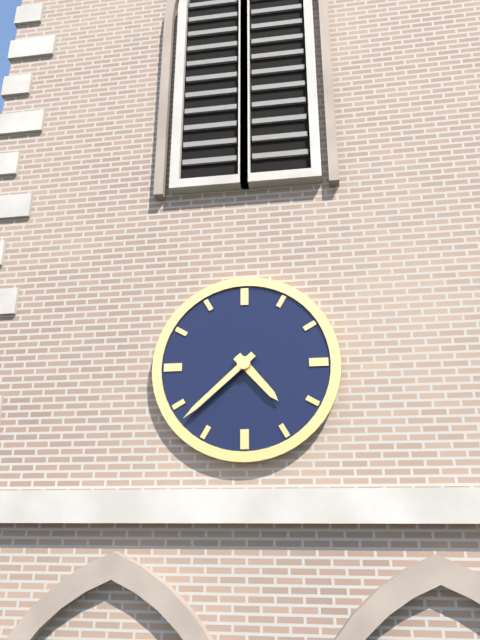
4:38
